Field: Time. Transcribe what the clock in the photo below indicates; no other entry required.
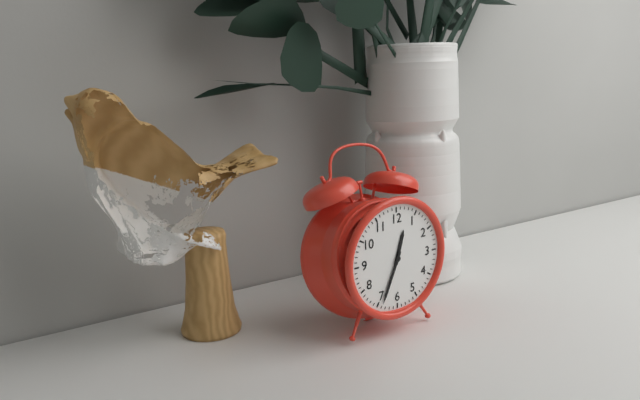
12:34
